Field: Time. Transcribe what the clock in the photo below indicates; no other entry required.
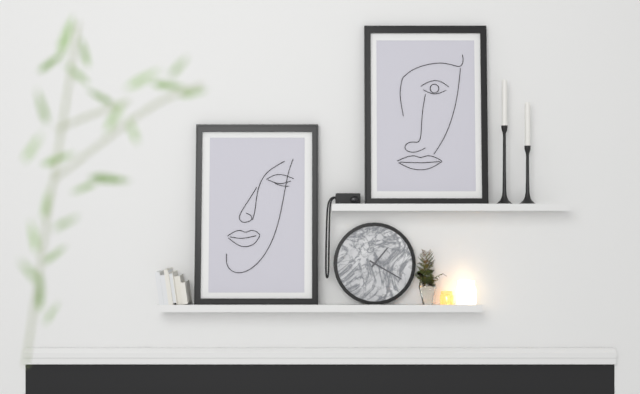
1:20
